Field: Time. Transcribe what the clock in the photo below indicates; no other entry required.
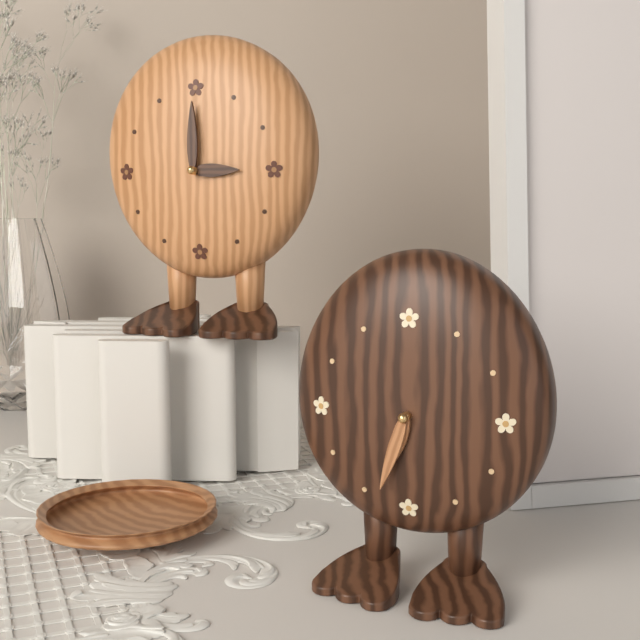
6:33
